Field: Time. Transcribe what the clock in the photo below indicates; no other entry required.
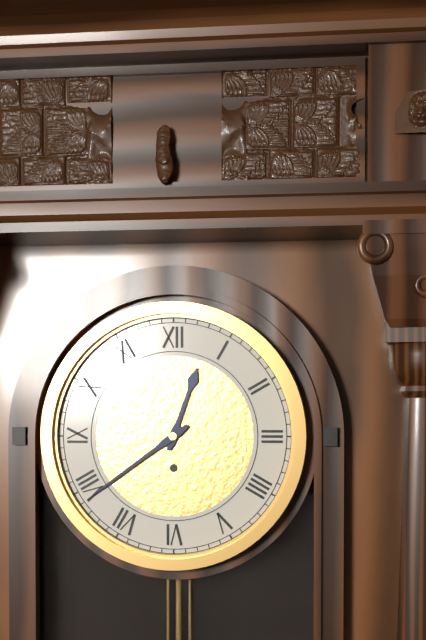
12:39
